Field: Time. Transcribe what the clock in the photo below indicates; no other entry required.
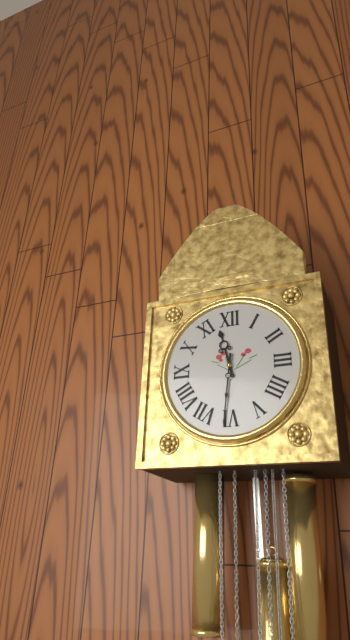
11:31
